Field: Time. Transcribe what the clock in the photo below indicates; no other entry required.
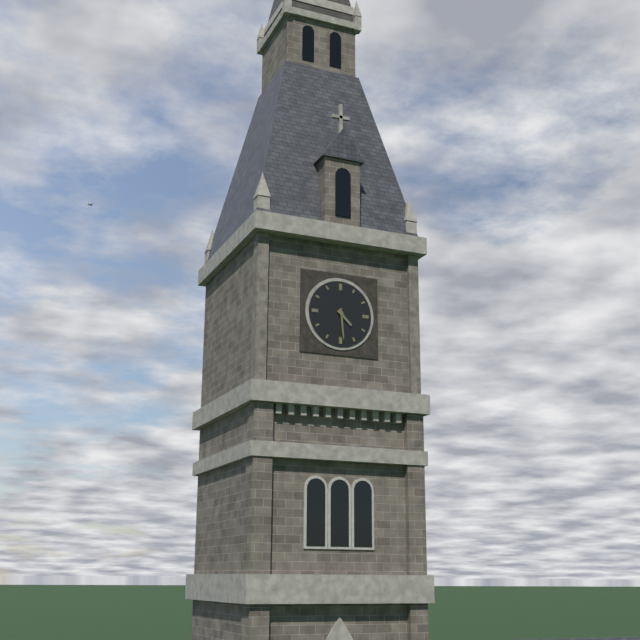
4:29
